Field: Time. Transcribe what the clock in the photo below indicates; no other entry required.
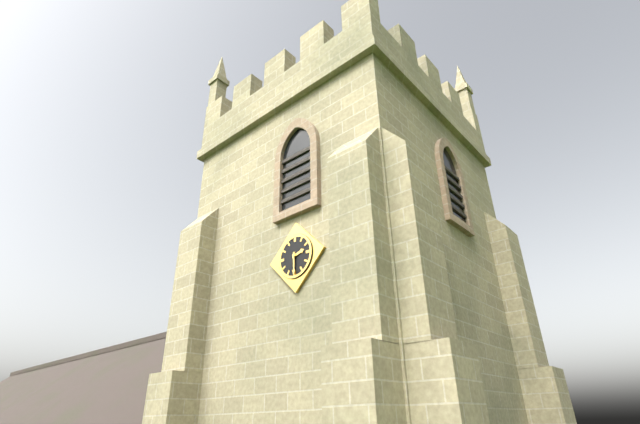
2:30
